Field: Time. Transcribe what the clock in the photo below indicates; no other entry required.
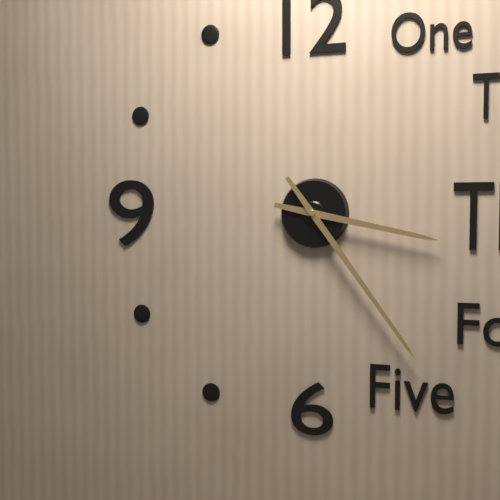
3:24
